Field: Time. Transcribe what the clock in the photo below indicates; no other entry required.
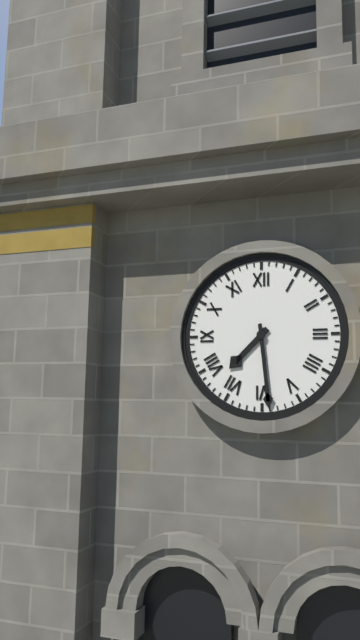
7:29
